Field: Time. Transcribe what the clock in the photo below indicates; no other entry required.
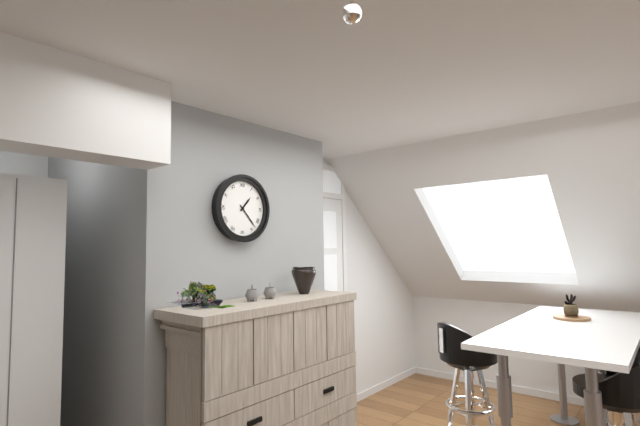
1:23
